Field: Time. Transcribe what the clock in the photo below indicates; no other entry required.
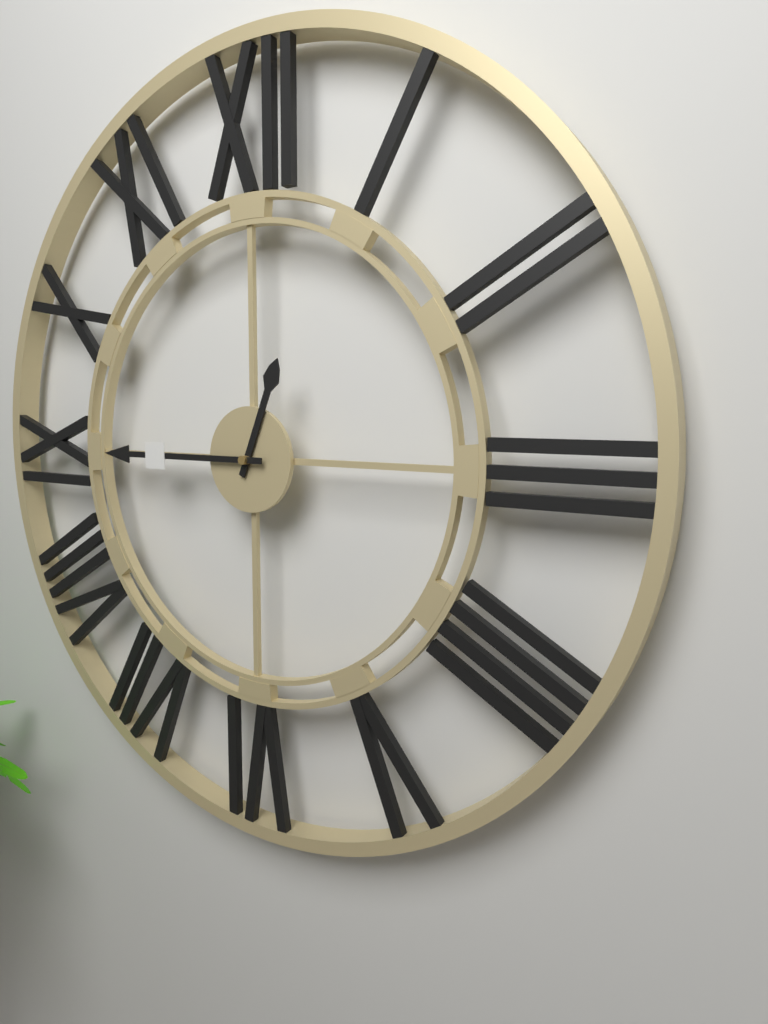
12:45
